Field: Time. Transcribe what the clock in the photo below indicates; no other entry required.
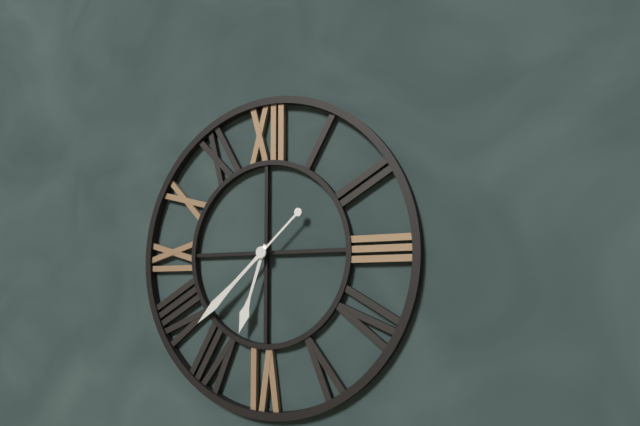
6:38
